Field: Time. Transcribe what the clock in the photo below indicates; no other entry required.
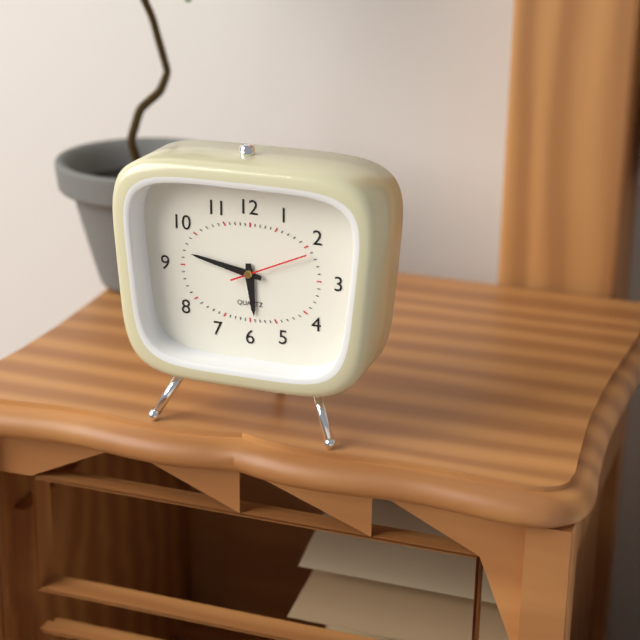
5:47:11
